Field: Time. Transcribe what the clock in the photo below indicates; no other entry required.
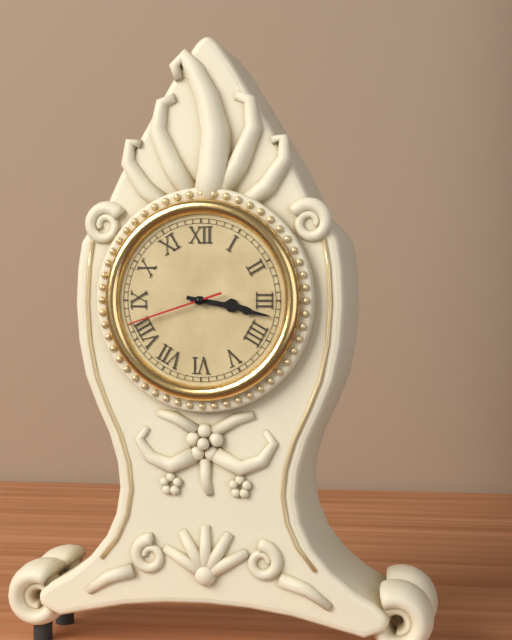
3:17:42
